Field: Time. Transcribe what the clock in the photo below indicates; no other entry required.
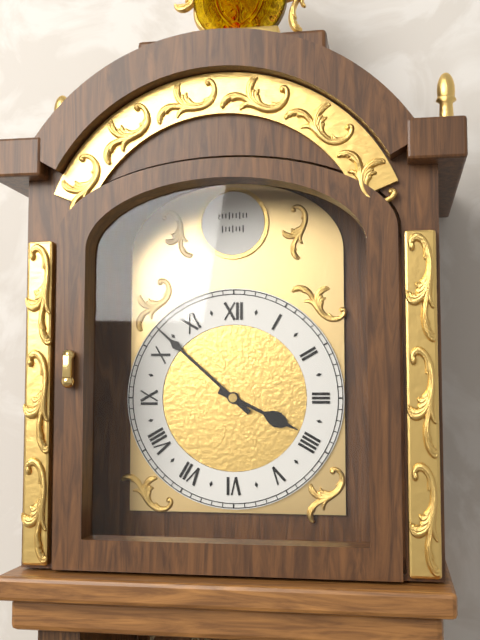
3:52
